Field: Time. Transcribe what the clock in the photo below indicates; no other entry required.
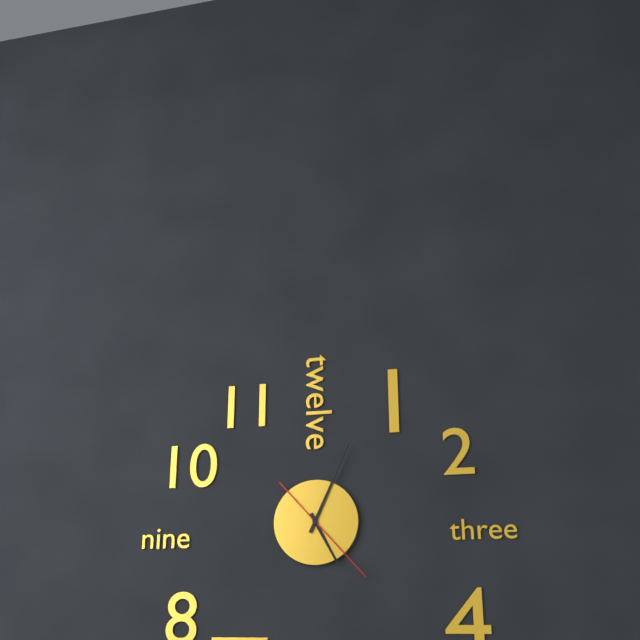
5:04:23
